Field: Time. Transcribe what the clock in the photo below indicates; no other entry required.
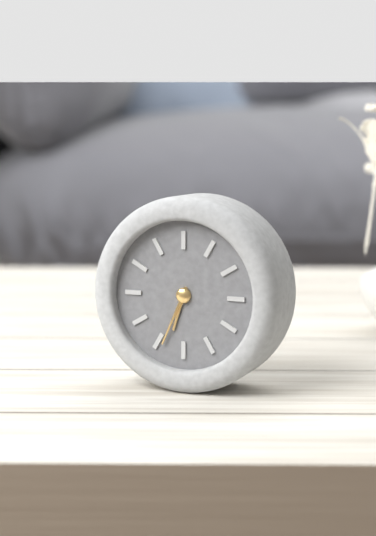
6:34
